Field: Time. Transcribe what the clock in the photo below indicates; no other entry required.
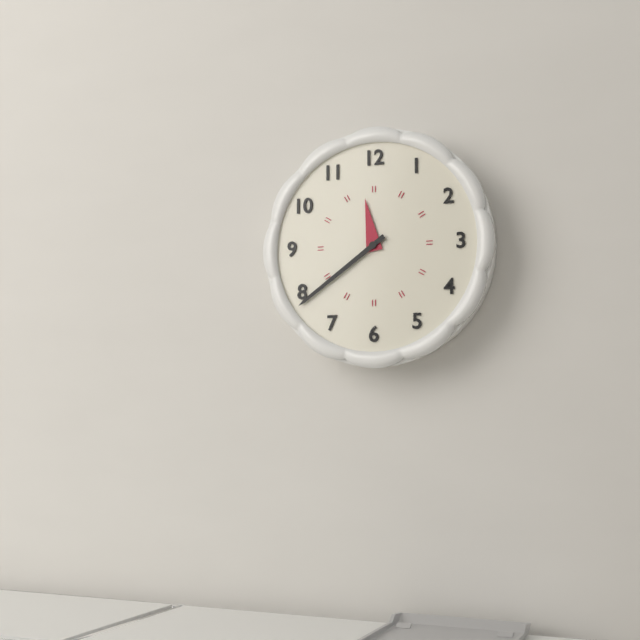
11:39
